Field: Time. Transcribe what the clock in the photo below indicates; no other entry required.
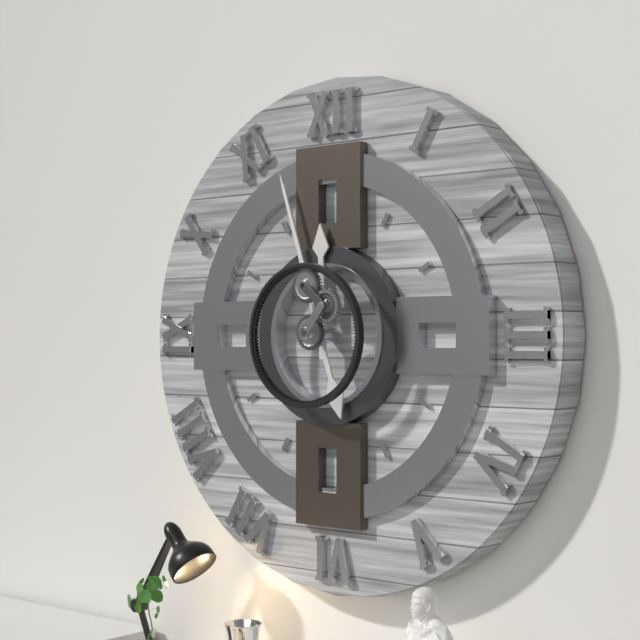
11:57
